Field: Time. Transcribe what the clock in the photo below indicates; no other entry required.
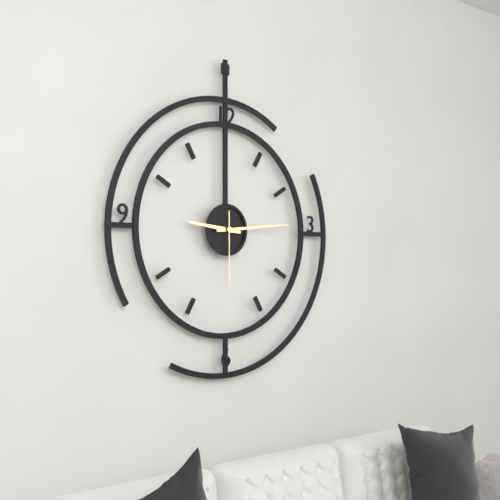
9:14:30
